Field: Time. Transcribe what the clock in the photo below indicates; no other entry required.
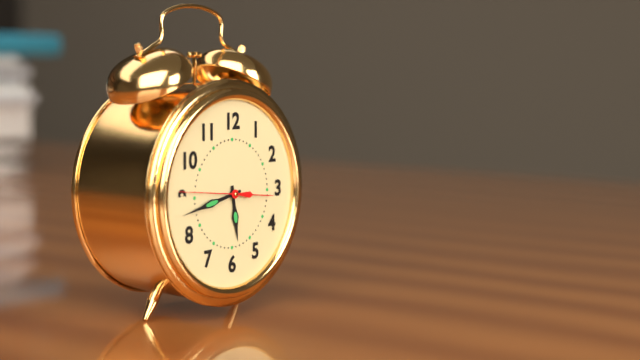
5:43:46
